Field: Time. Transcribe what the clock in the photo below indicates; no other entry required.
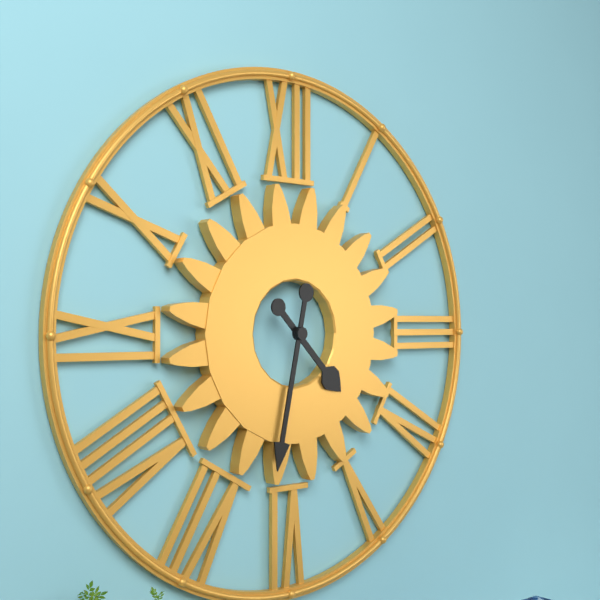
4:32
